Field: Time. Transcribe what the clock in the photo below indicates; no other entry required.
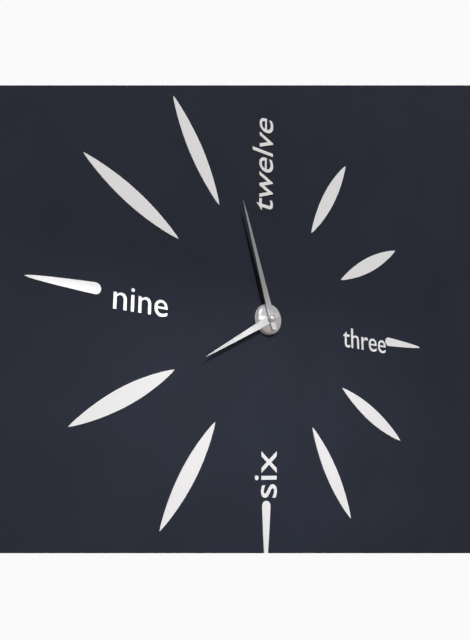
7:57
